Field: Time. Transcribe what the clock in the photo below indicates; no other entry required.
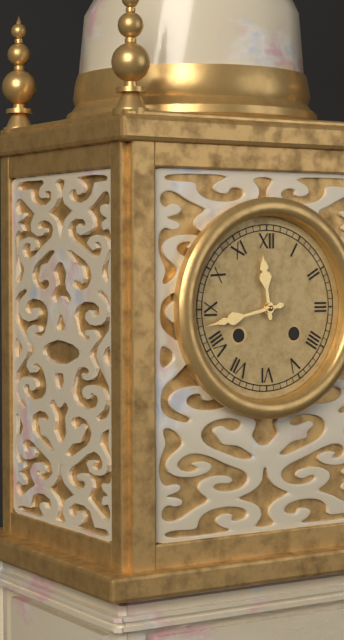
11:43
